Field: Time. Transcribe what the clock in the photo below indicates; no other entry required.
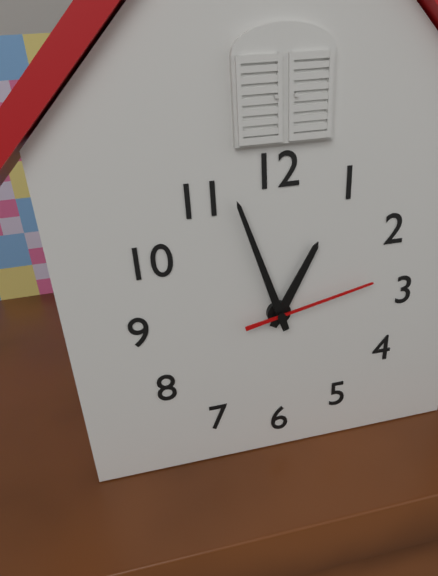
12:57:13
